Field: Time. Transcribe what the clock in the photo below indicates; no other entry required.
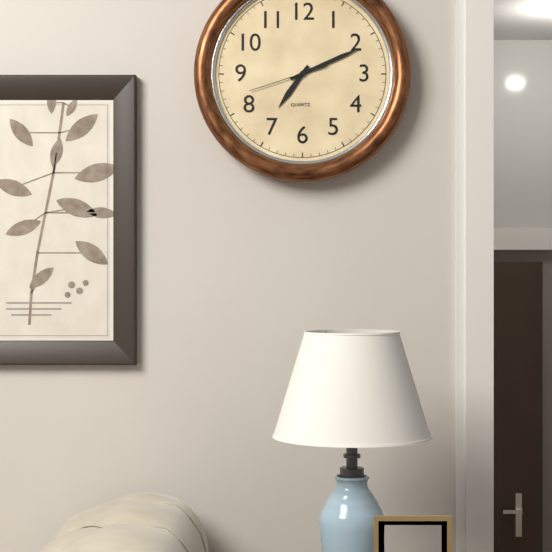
7:11:42
